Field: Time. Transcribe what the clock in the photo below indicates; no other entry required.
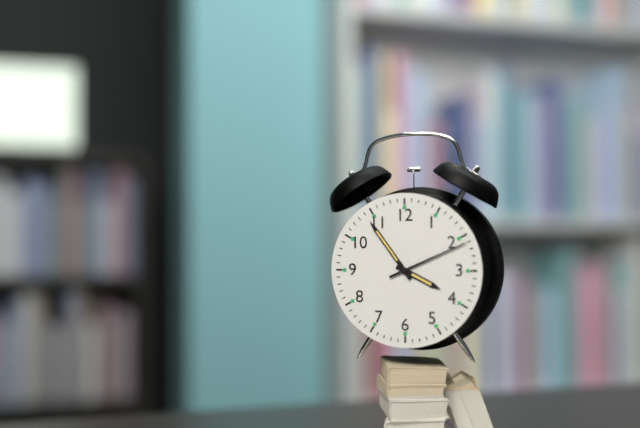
3:54:11
